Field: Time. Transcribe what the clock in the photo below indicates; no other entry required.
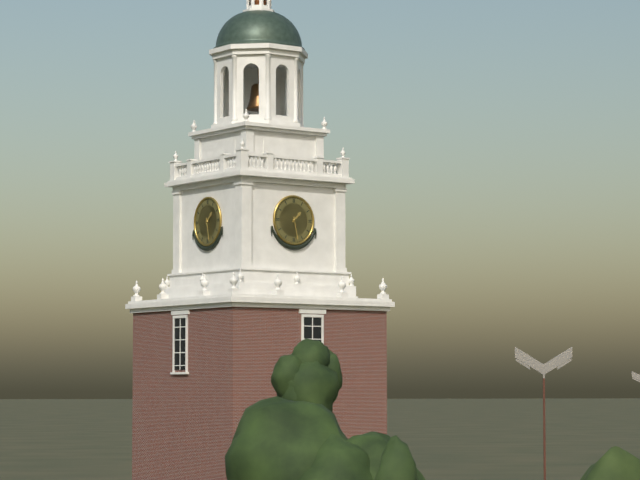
1:28
